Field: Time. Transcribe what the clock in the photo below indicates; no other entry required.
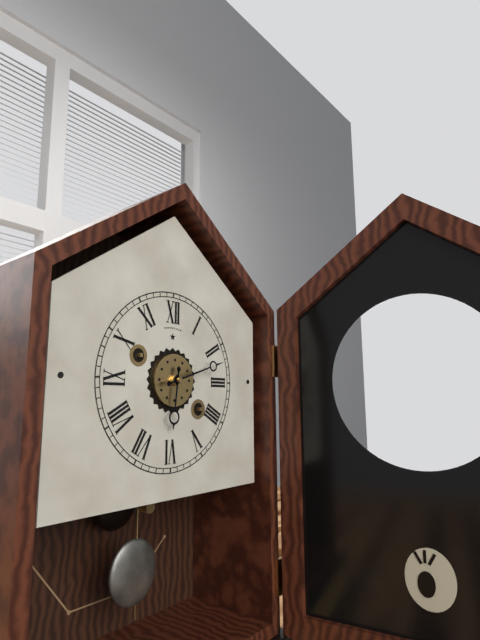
6:12
